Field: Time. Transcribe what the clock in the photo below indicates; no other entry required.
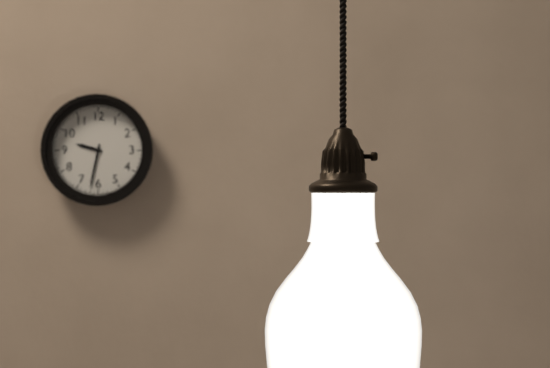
9:32
